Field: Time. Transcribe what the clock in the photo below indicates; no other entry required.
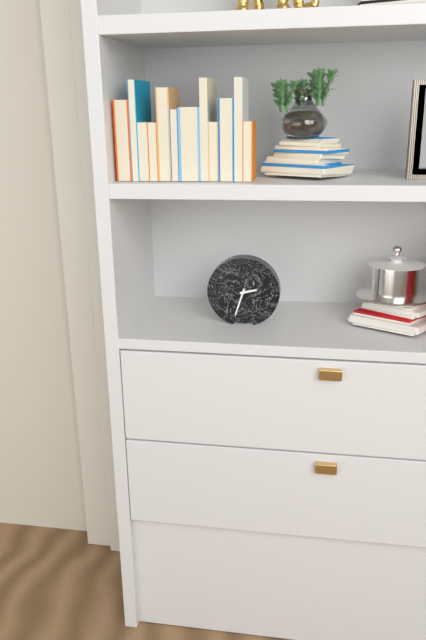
2:33
